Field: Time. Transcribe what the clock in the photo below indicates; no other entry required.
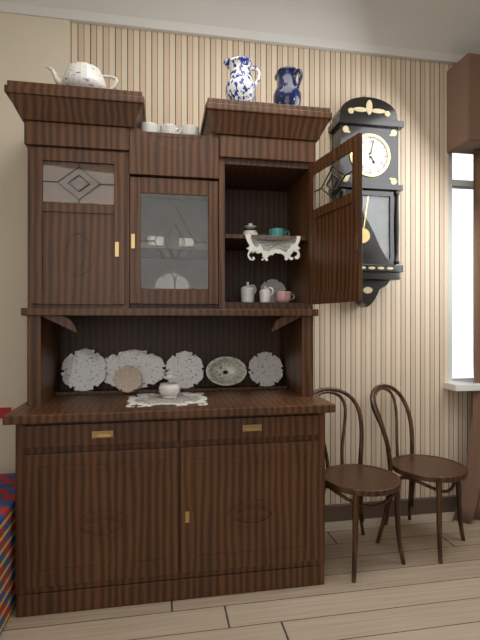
5:02
